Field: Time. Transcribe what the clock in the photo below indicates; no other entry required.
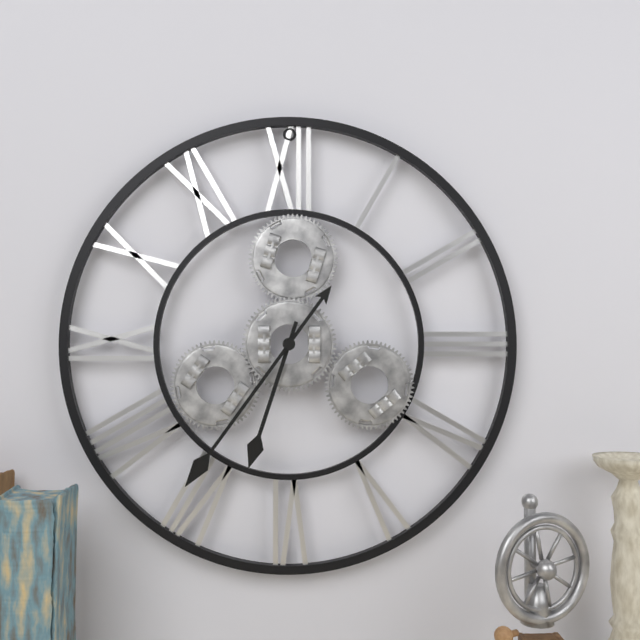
6:36
